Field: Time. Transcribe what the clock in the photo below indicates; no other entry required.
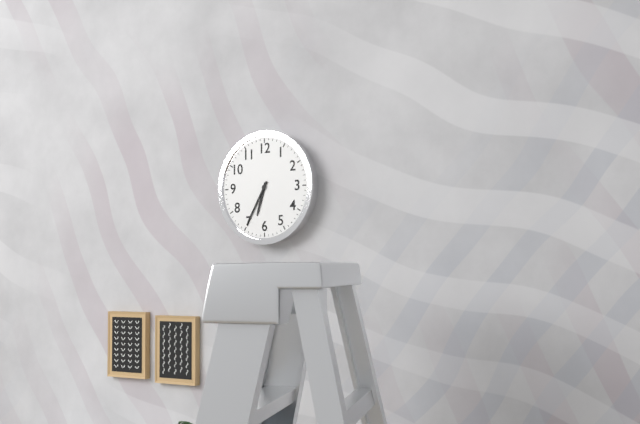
6:35
